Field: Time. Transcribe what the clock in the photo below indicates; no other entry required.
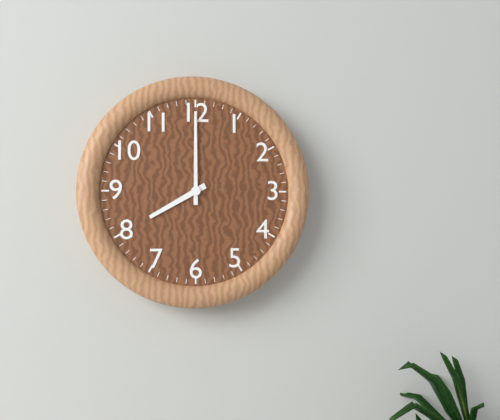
8:00
